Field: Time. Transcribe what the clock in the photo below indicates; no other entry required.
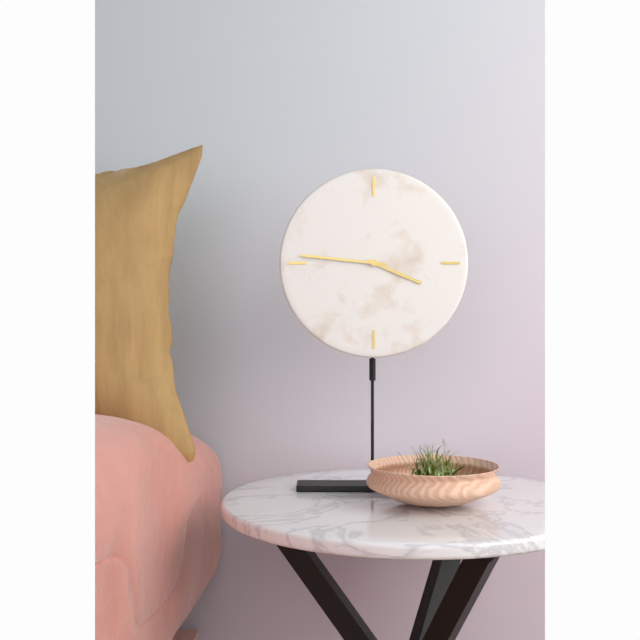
3:46
